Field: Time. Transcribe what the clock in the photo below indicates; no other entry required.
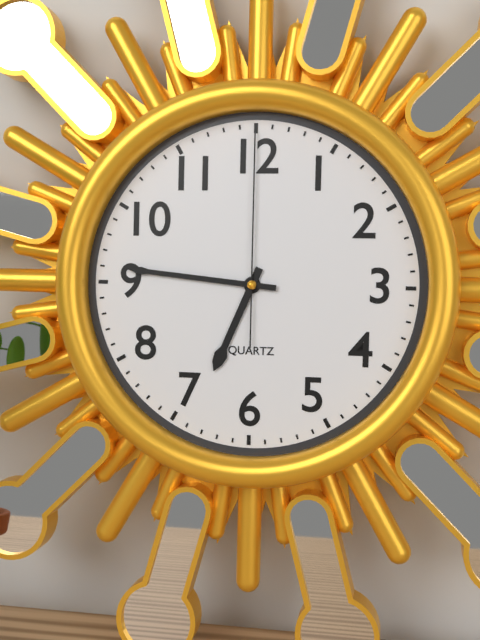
6:46:00
